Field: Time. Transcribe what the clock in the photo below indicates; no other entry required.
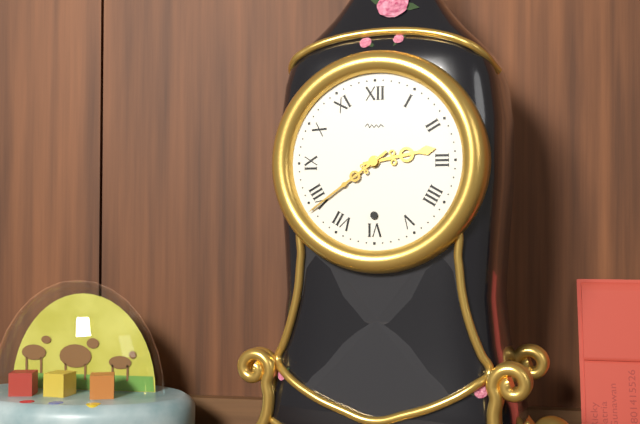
2:39
